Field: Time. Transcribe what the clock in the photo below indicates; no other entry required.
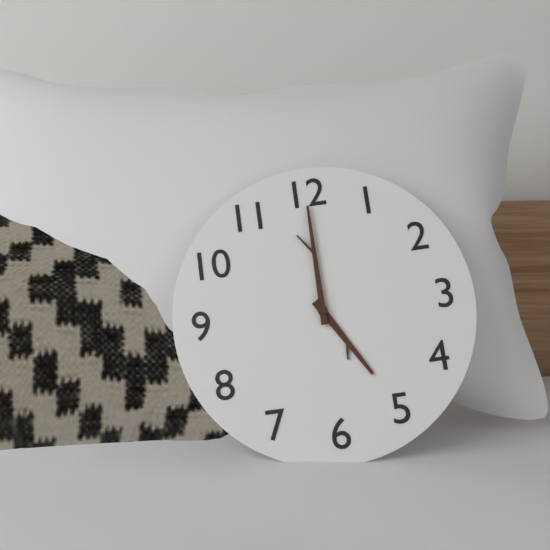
5:00
